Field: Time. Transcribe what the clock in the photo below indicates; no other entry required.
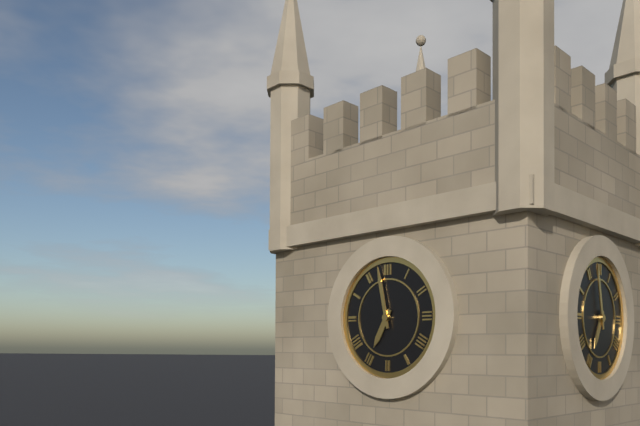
6:58
